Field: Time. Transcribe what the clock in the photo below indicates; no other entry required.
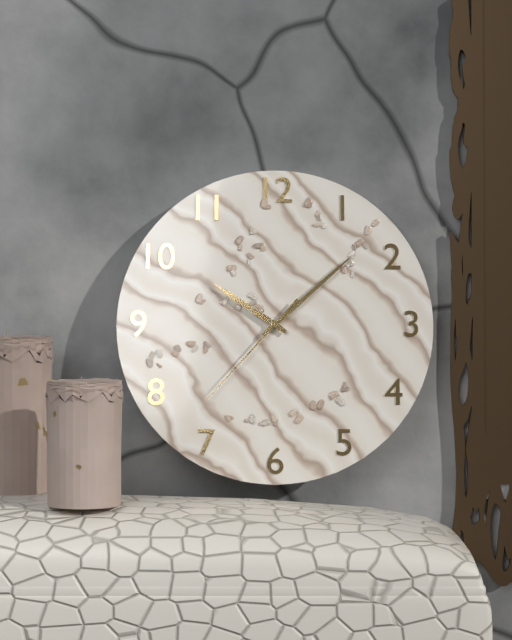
10:08:37
